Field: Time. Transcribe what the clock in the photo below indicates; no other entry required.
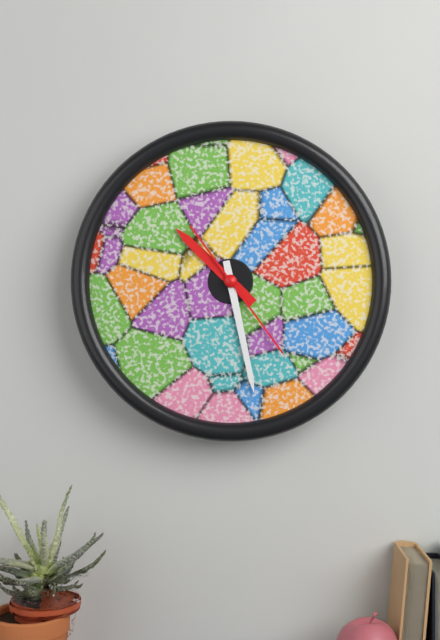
10:28:24
